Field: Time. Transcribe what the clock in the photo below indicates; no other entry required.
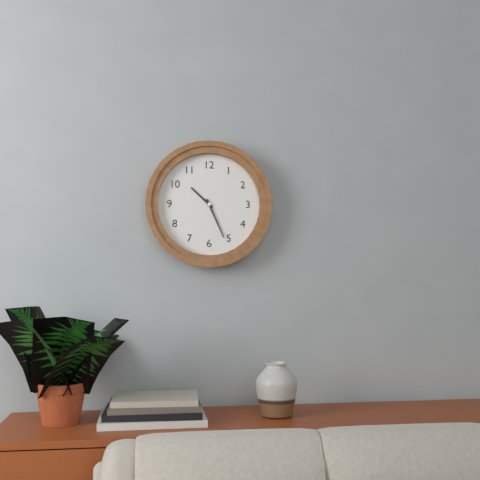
10:26
